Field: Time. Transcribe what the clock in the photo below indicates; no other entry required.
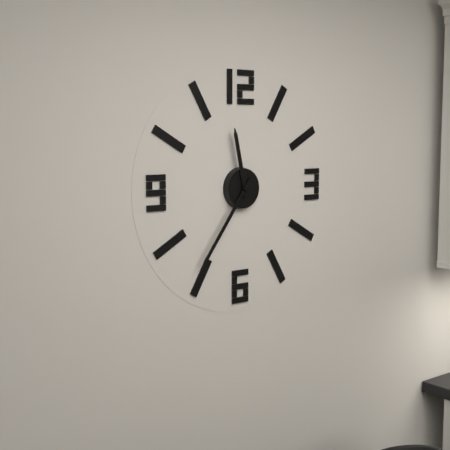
11:36
